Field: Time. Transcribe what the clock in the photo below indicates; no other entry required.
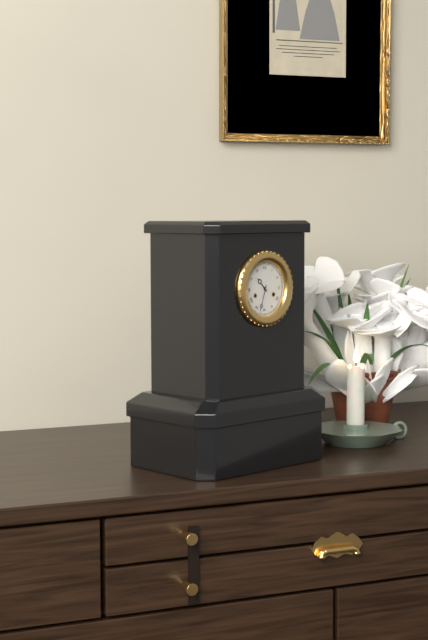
10:33
